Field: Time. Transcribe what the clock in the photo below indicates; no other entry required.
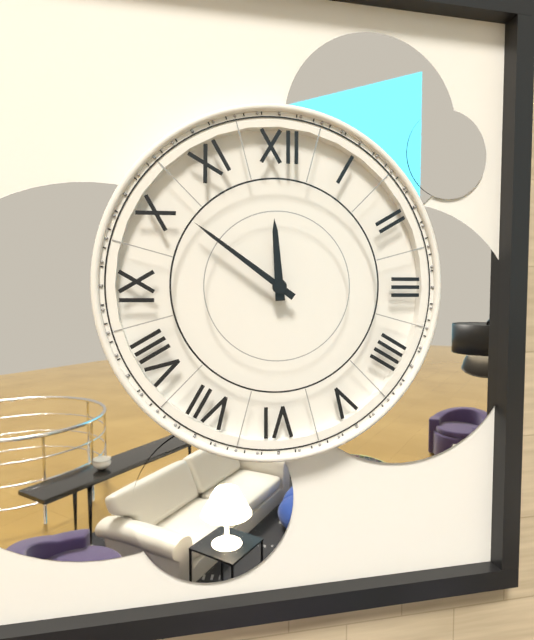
11:51
